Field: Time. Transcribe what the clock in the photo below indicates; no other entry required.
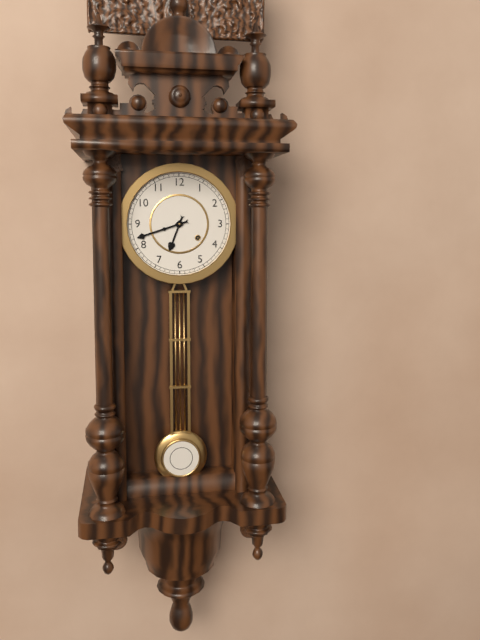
6:42
